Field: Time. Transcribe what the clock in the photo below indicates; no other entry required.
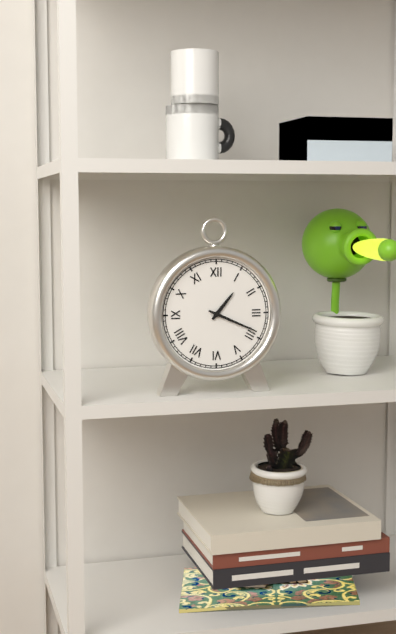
1:19
